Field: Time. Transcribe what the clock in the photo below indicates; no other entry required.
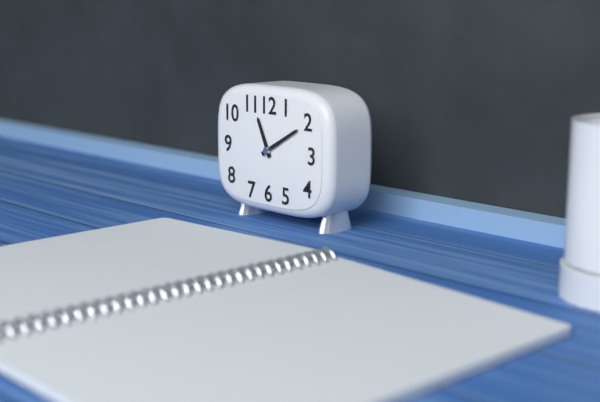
11:10
